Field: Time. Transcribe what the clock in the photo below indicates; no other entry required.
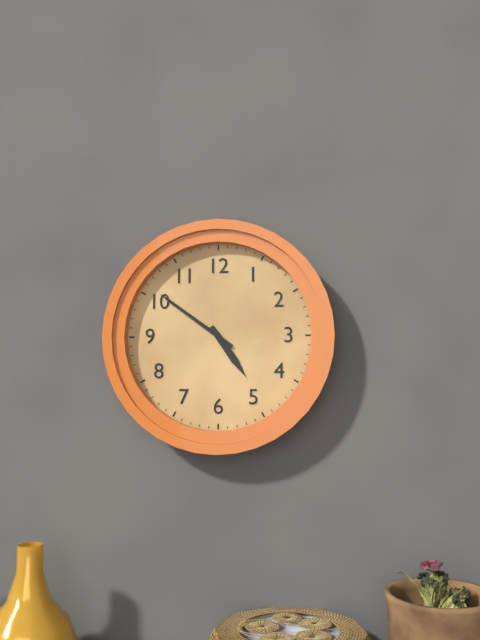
4:51
